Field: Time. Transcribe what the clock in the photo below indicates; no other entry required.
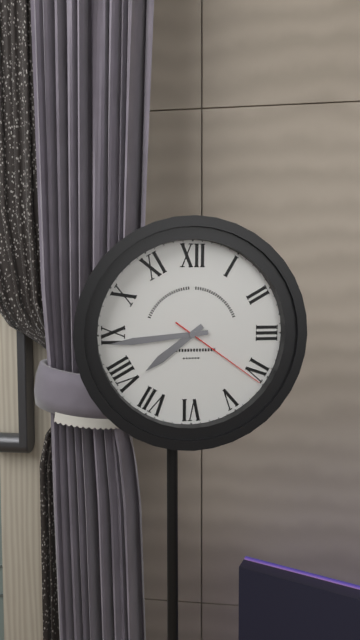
7:44:21
